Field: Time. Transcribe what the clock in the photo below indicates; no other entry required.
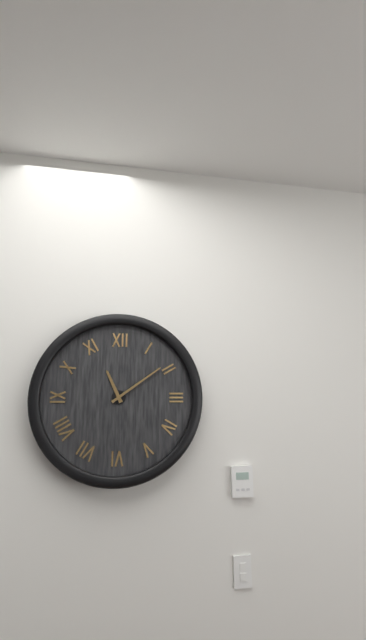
11:09
